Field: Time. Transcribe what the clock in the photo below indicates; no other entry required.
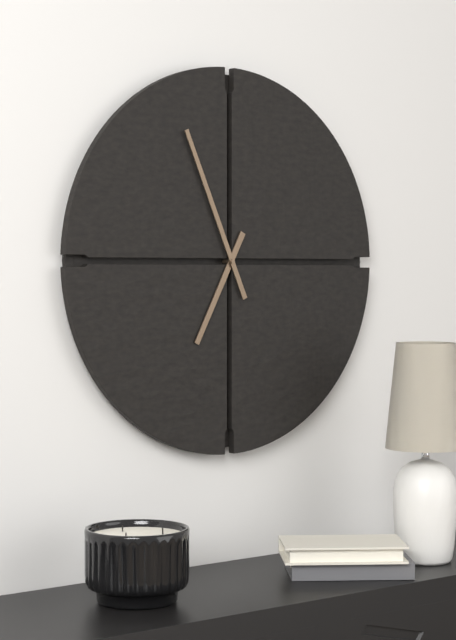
6:56
